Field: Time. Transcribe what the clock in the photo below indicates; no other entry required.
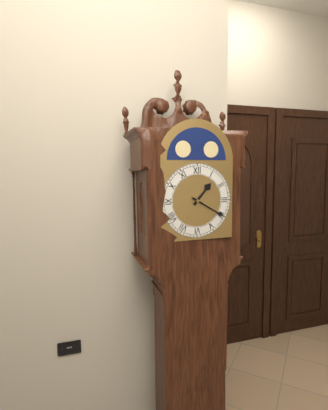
1:20
